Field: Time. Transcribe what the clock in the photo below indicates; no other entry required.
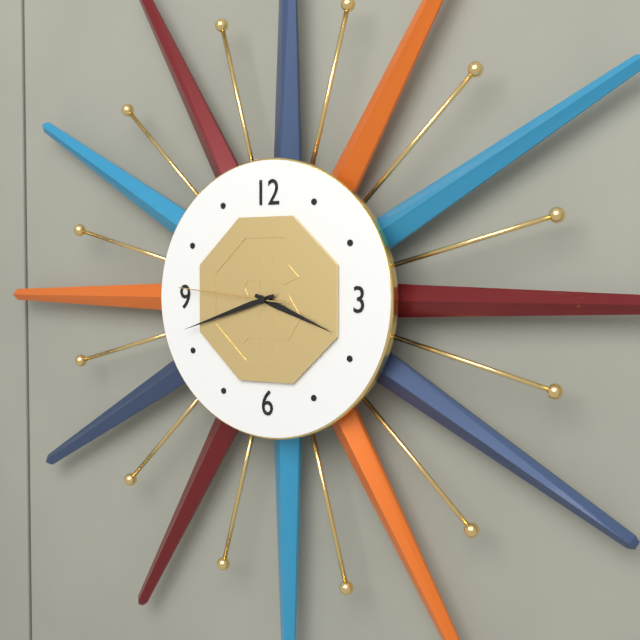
3:42:46
